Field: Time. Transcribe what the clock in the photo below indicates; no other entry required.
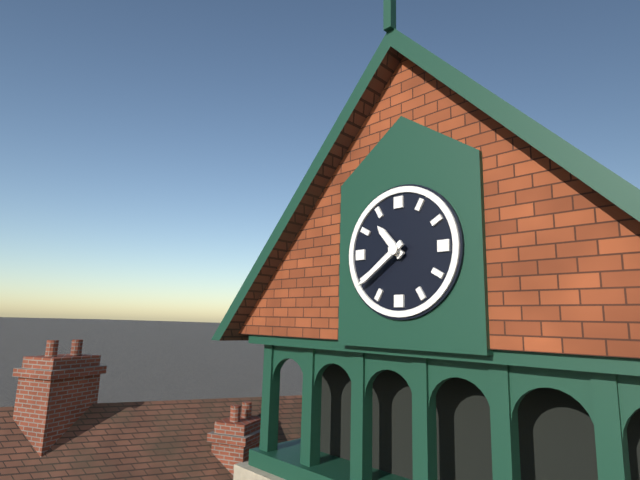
10:39
